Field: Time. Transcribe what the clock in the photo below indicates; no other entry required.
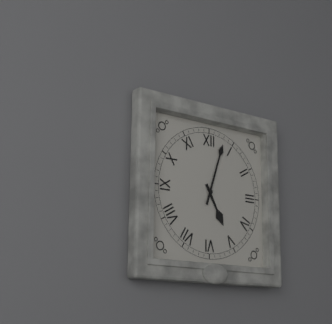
5:03
